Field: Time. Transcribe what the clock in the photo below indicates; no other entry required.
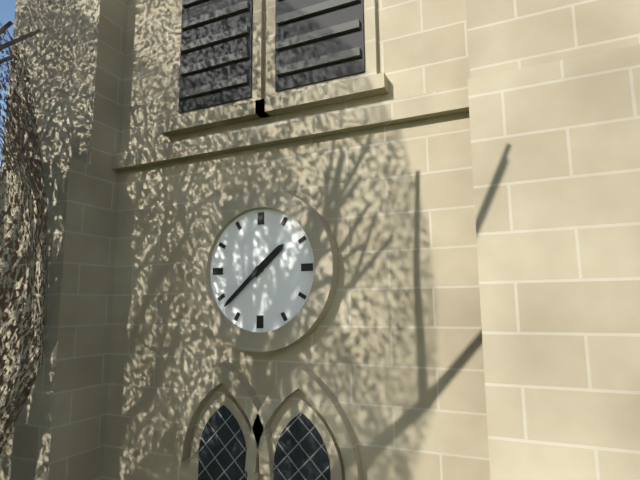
1:38
